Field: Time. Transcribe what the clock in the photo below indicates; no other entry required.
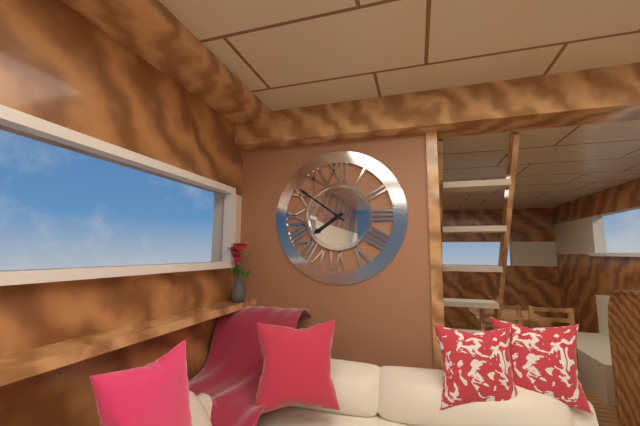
7:51
